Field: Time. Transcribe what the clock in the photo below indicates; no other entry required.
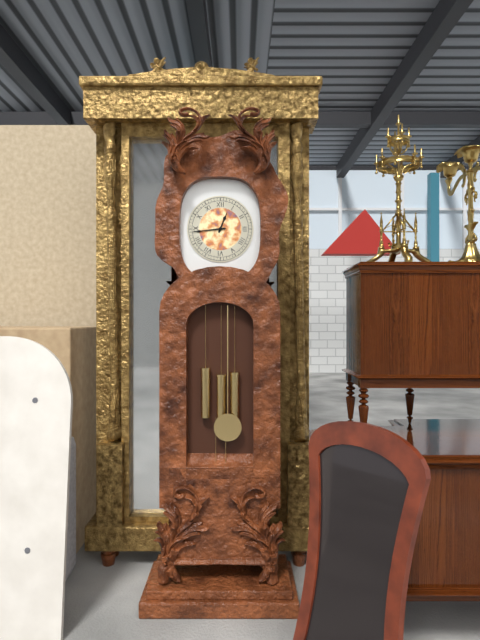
12:44
